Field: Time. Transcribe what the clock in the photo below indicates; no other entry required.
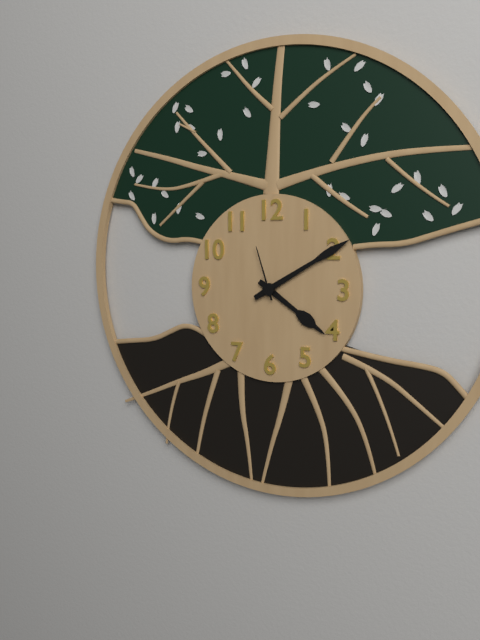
4:10:57
